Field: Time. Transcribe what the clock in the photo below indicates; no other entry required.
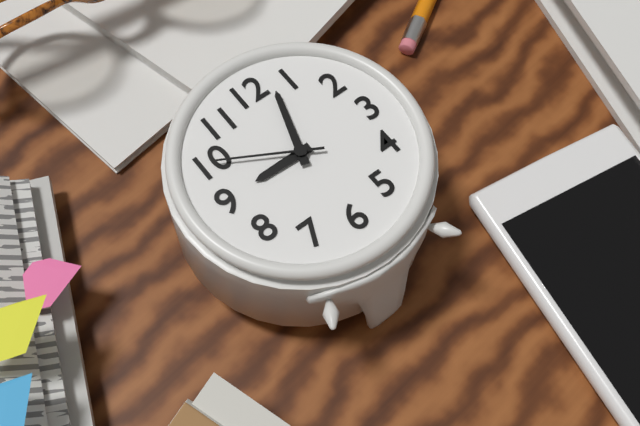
9:03:50
